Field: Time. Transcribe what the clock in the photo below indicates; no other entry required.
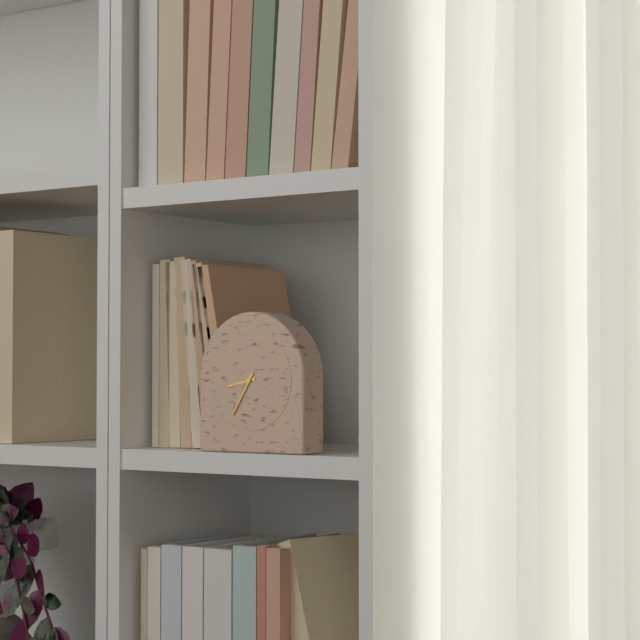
8:35
